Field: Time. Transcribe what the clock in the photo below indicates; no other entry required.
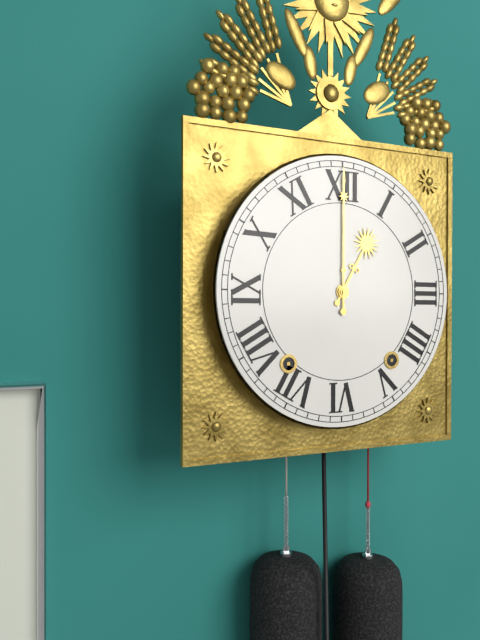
1:00
